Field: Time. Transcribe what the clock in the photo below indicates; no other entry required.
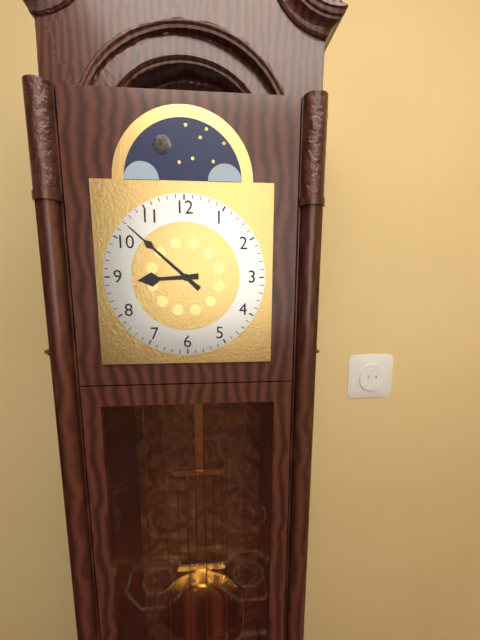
8:52
